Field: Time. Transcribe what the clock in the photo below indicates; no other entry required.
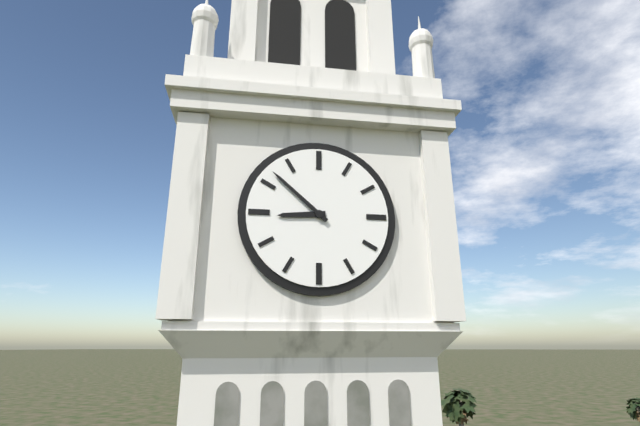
8:52
